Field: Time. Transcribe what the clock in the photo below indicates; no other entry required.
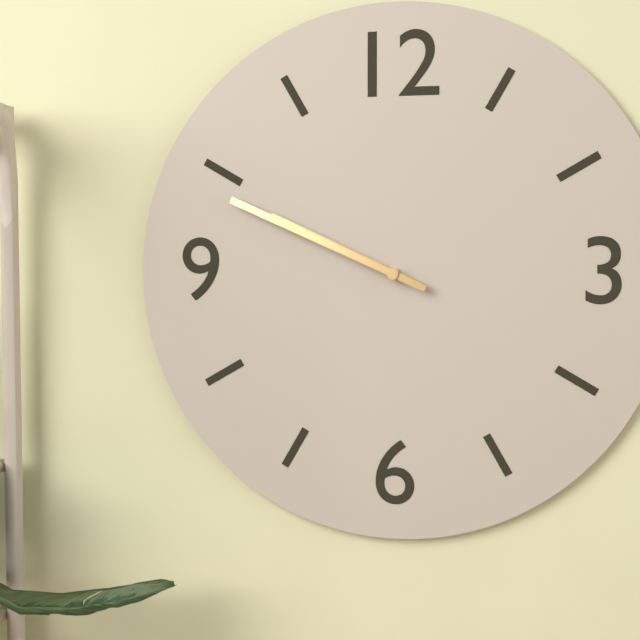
9:49
